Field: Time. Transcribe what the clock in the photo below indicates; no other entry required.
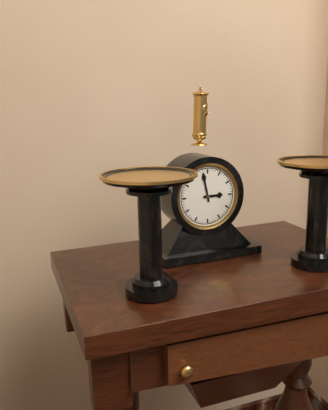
2:58
